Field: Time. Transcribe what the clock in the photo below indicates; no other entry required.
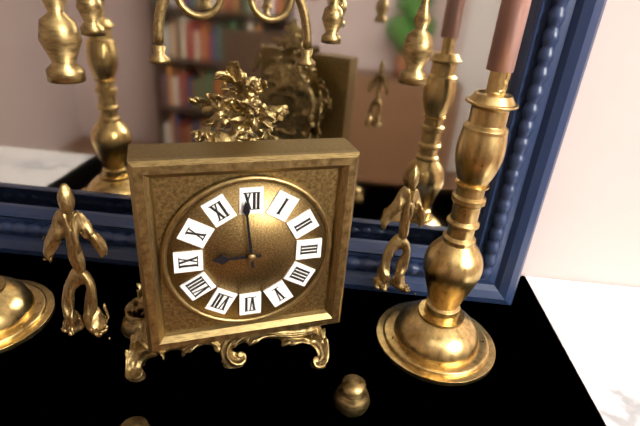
8:59
